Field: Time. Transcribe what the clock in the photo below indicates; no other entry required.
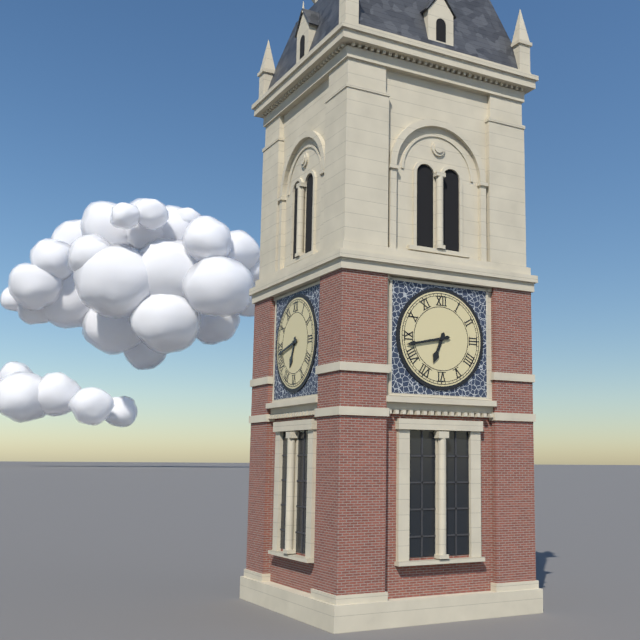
6:43
